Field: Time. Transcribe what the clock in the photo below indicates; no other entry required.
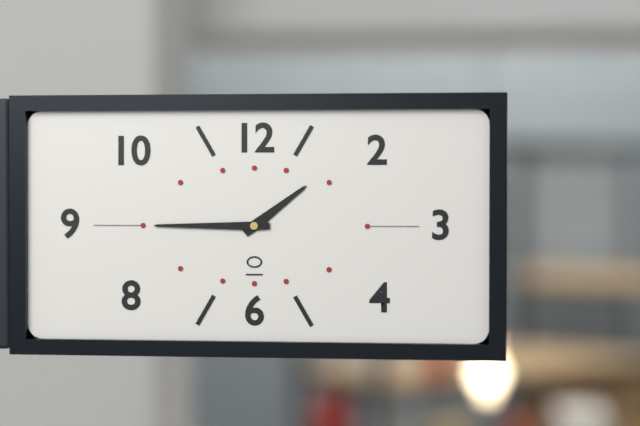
1:45
